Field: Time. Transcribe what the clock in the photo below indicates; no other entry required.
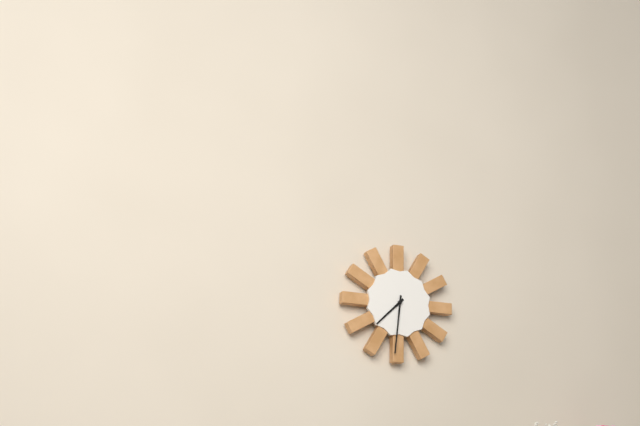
7:31
